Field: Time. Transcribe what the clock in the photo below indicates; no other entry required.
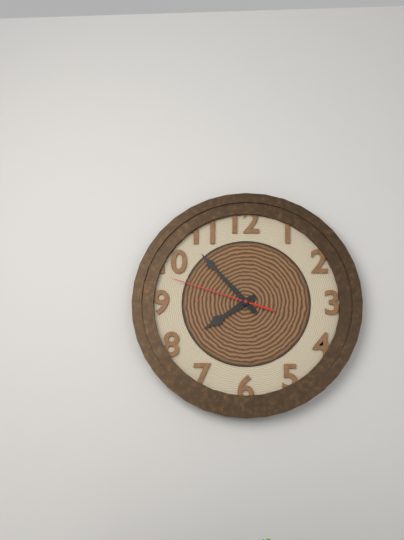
7:53:48
